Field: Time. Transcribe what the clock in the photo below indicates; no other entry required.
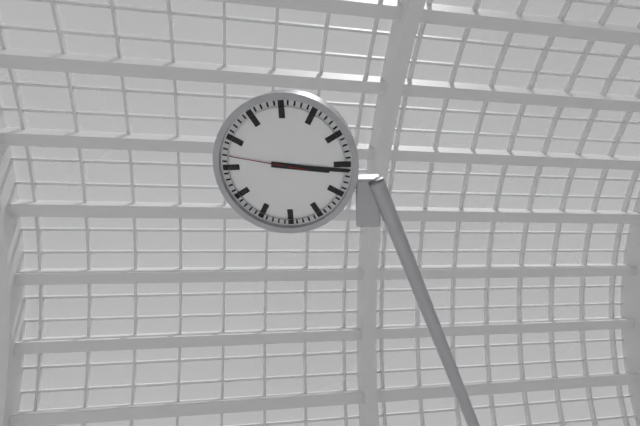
3:16:47
